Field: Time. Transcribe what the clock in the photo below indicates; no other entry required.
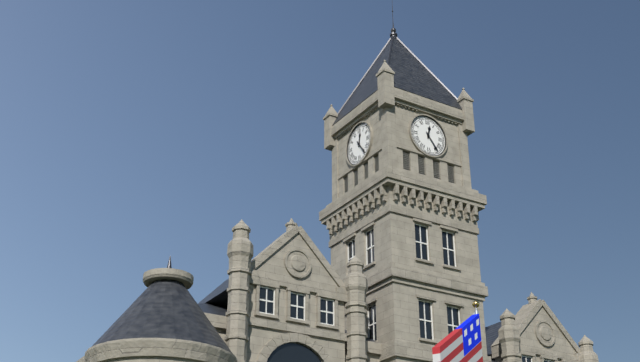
12:24
